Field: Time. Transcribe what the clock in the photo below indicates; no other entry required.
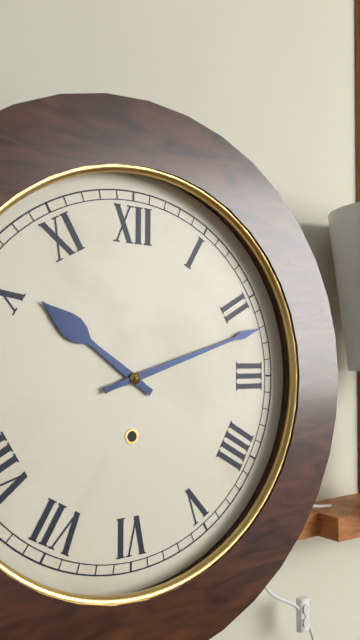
10:12
